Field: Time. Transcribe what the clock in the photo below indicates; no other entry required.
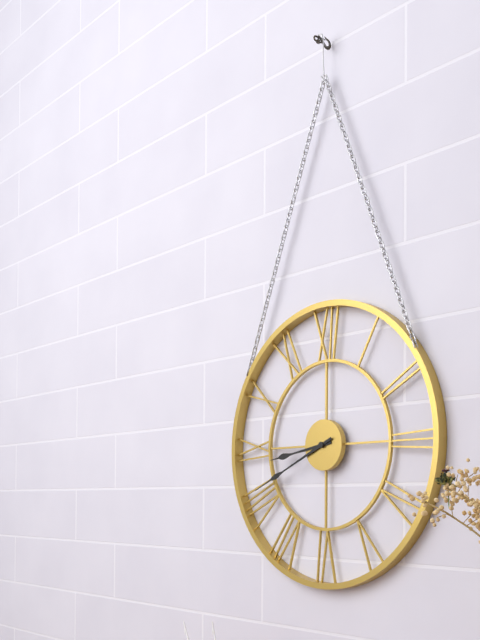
8:41
